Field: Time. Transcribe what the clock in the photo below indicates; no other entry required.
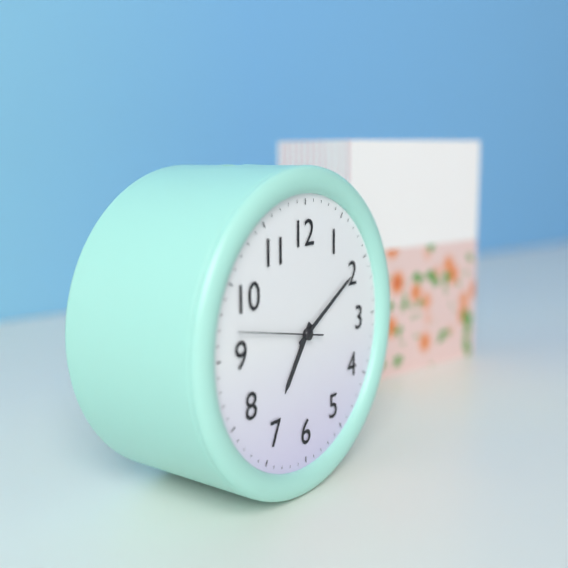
7:10:47
